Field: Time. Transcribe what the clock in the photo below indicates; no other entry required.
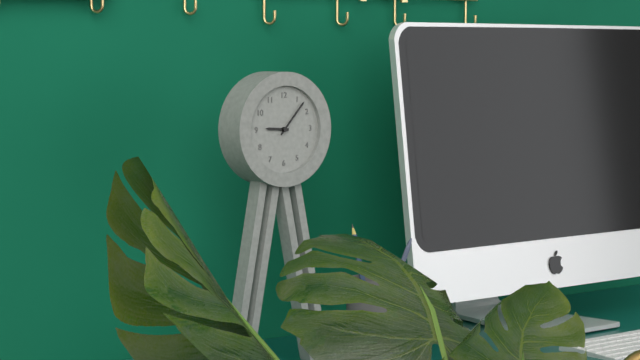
9:07
